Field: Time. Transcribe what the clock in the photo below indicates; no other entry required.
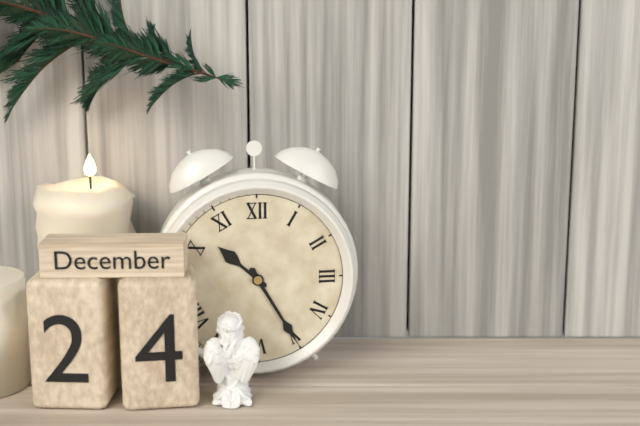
10:25
